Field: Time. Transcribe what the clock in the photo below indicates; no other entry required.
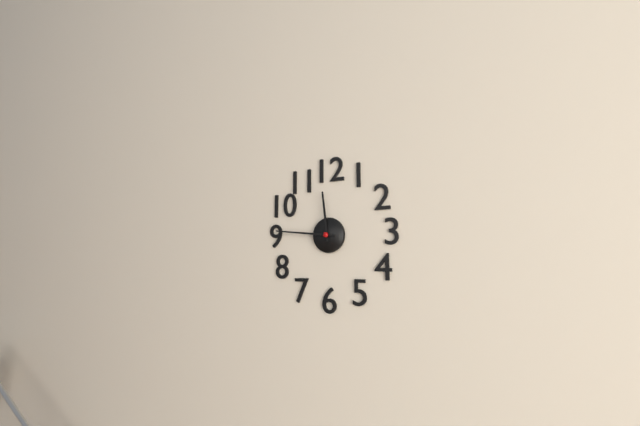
11:46
